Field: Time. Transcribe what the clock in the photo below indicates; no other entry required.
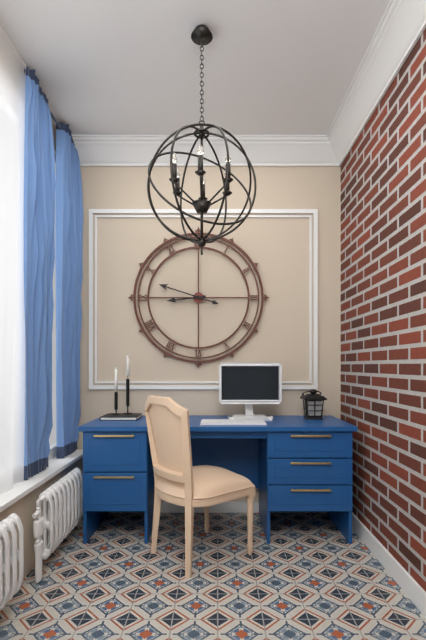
8:48
